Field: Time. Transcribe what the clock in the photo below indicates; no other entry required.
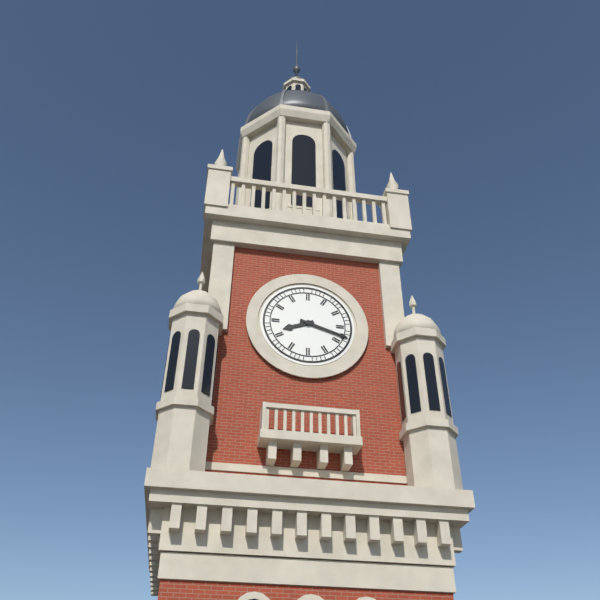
8:18
